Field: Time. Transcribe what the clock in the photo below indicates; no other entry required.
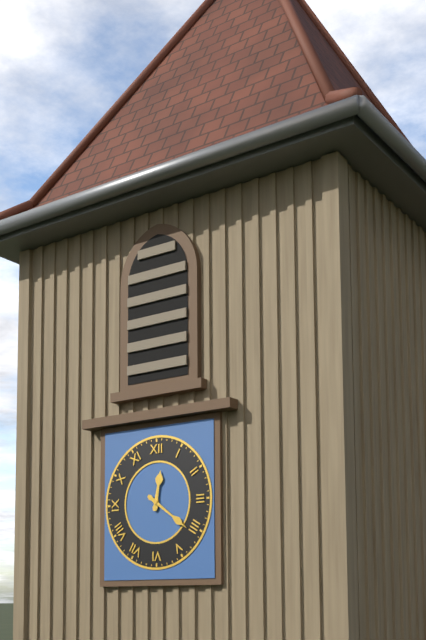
12:21
